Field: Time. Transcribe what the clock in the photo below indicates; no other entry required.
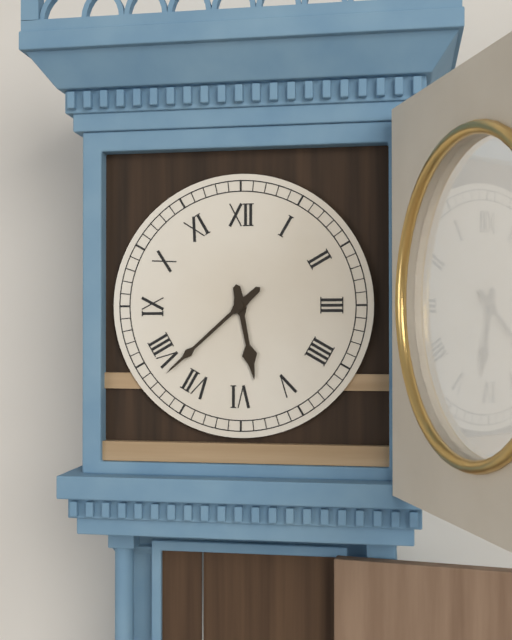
5:38
